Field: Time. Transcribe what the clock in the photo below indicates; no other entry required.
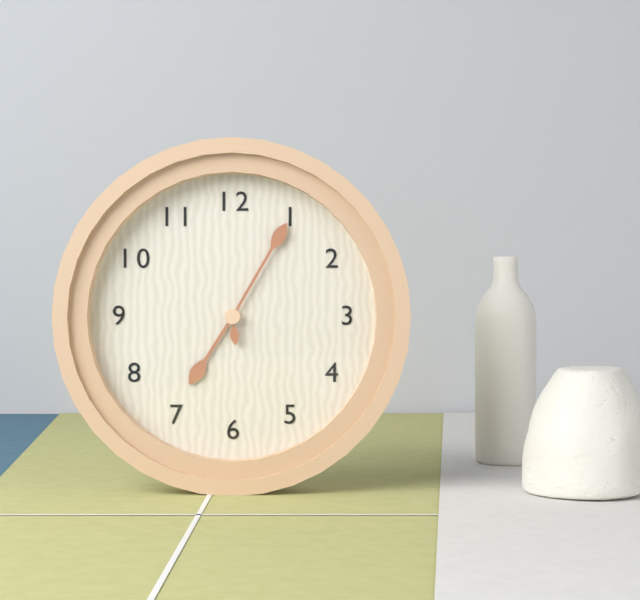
7:05
